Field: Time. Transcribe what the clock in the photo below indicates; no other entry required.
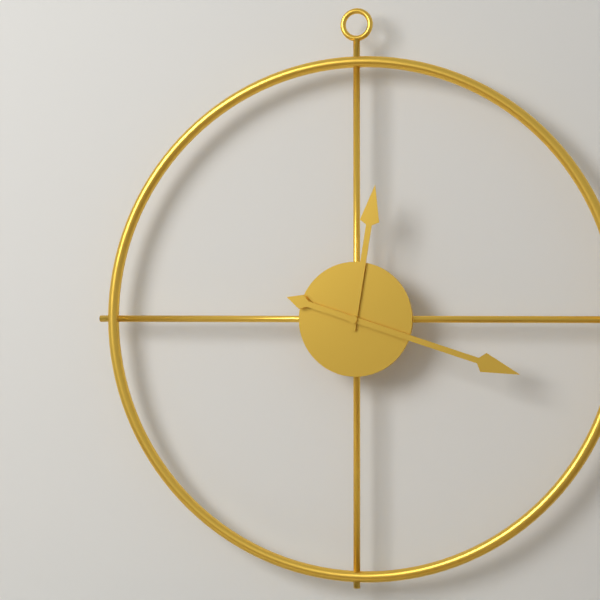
12:18
